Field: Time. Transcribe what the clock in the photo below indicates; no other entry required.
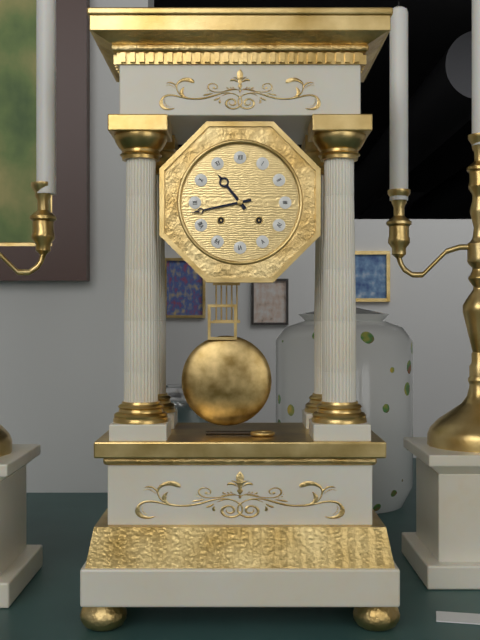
10:43
